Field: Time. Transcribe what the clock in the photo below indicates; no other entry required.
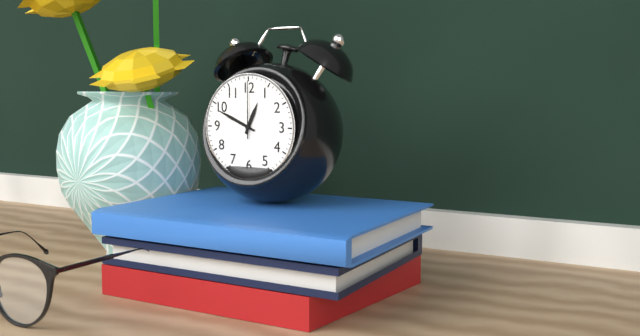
12:49:00
